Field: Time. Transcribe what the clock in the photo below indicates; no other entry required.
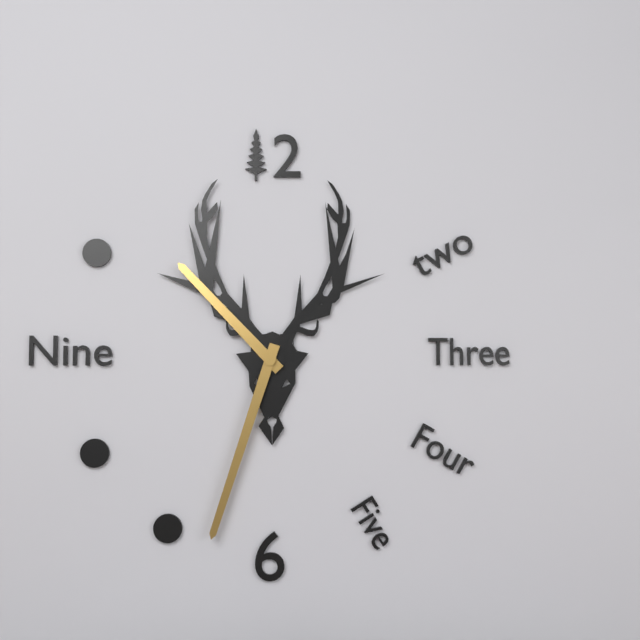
10:33
